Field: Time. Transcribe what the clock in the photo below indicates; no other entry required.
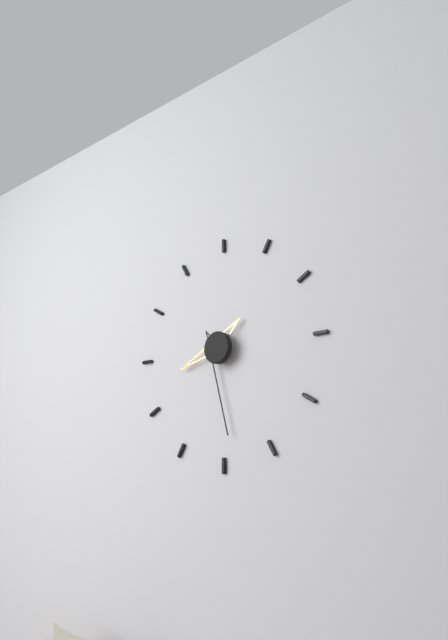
8:29
